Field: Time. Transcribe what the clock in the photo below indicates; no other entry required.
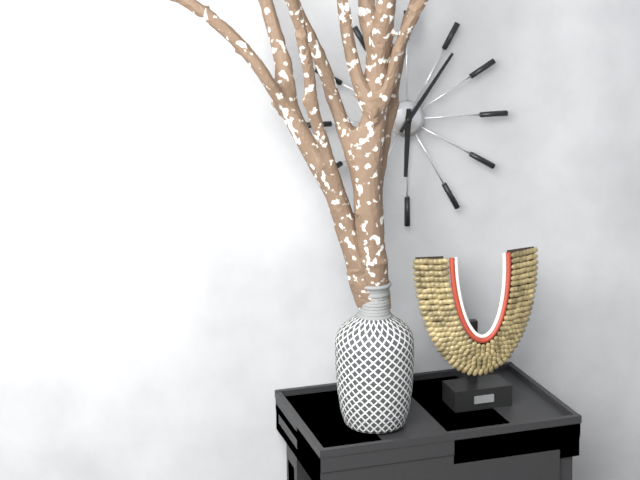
6:06
